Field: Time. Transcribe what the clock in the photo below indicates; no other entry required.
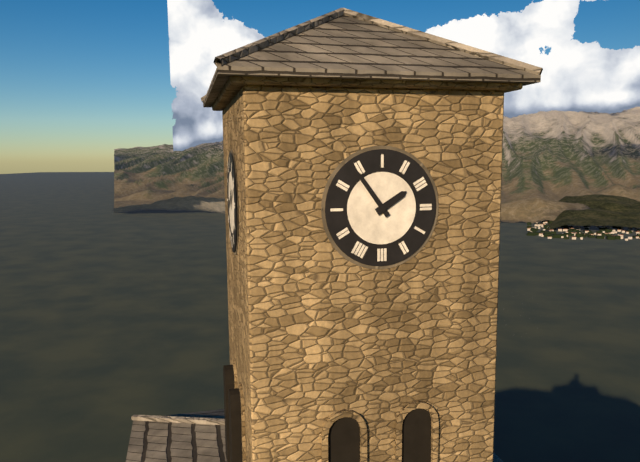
1:54
